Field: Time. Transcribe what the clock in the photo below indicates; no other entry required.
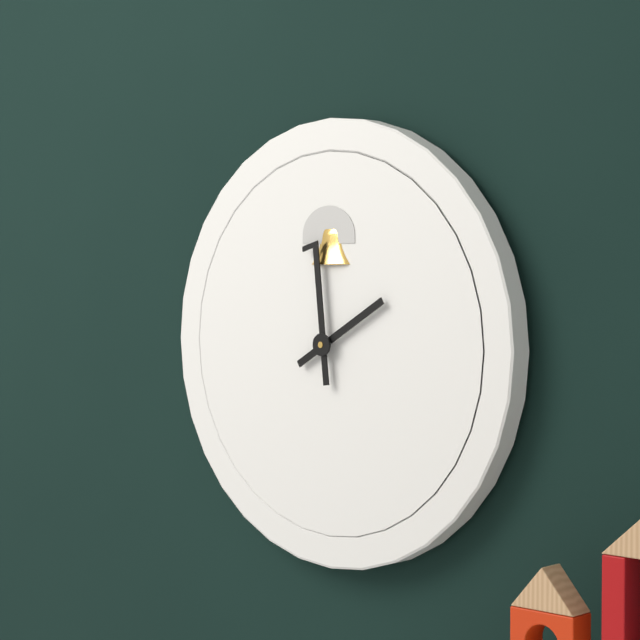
1:59
